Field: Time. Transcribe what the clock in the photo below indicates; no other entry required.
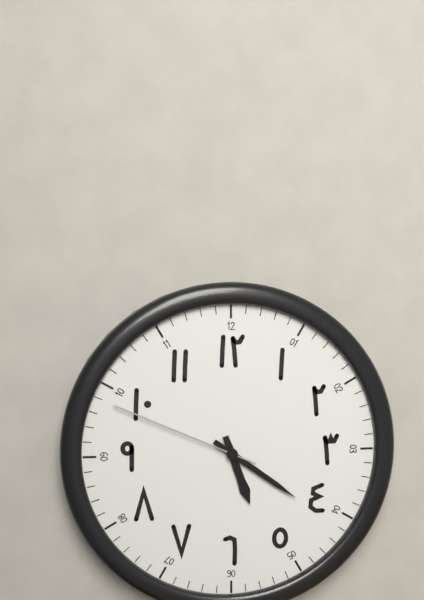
5:21:49
